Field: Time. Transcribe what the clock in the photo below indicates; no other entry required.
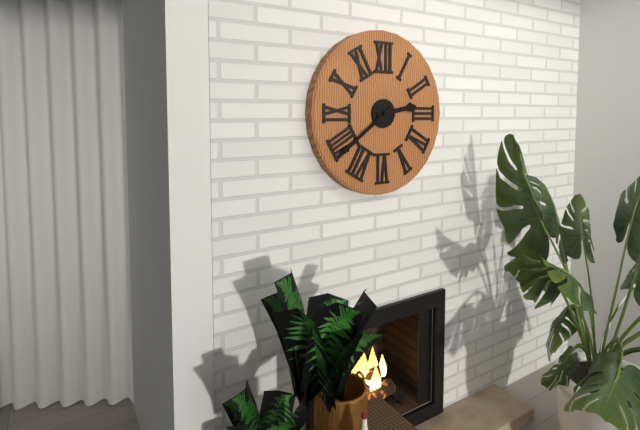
2:39
